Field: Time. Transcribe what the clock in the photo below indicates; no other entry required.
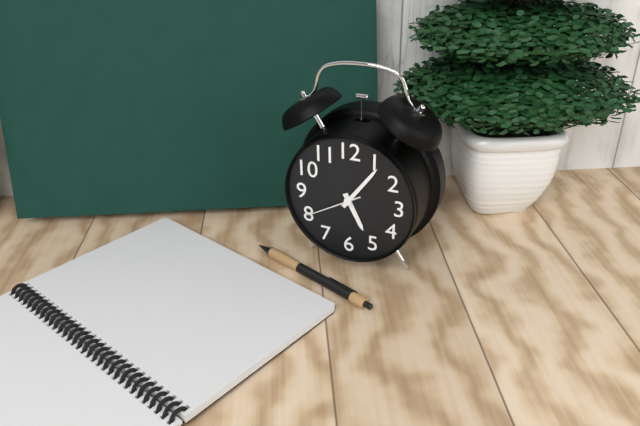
5:06:40
